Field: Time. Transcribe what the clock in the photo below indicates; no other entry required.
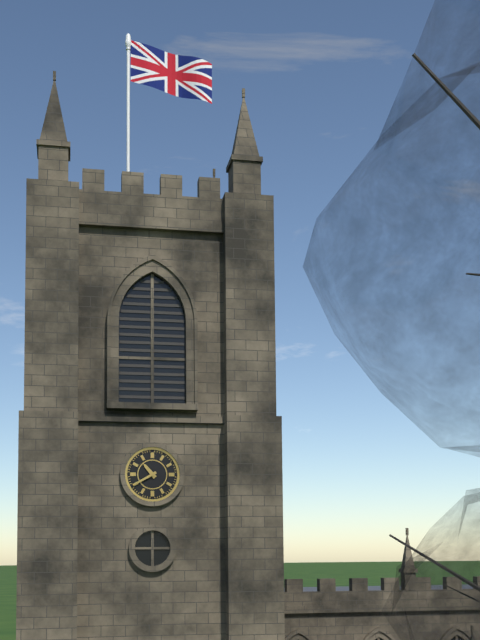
10:40
